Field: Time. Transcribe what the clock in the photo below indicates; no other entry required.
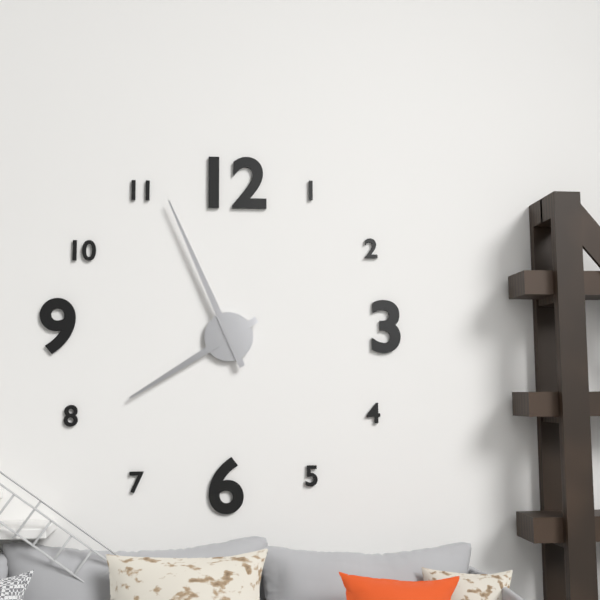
7:56
